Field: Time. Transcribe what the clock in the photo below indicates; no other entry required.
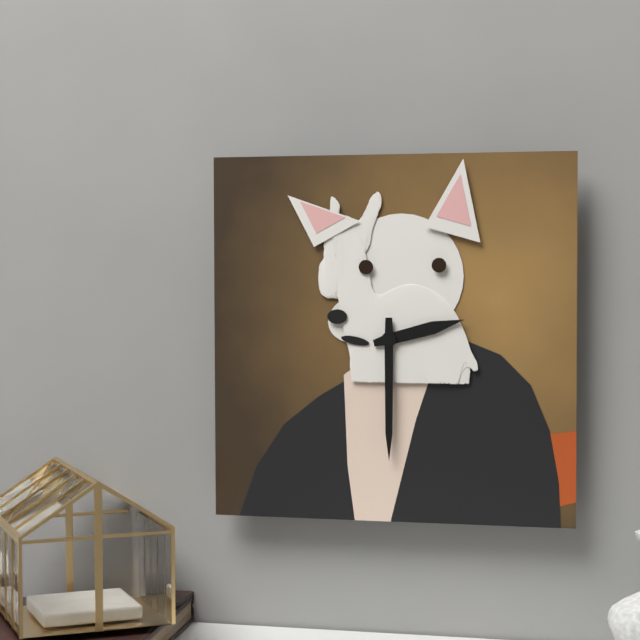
2:30
